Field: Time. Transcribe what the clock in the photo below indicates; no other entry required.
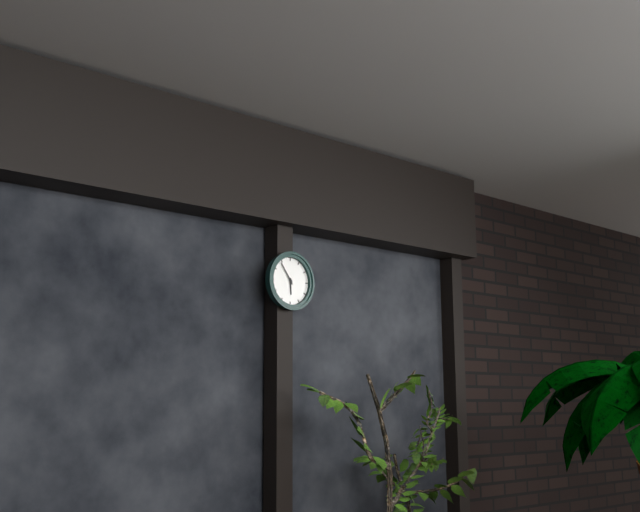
5:54
